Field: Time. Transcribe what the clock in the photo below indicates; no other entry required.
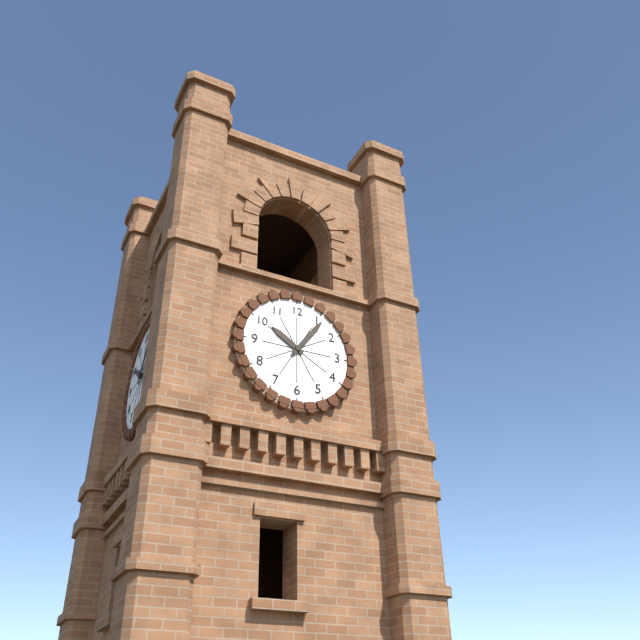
10:06
